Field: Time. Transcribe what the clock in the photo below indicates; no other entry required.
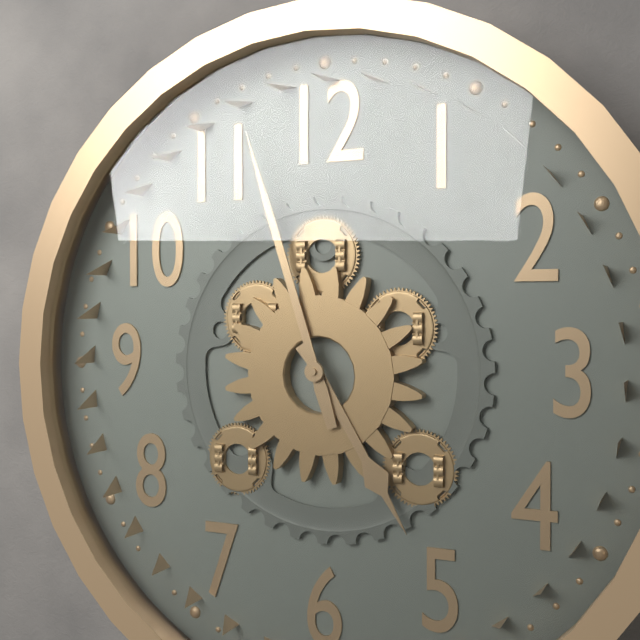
4:57
